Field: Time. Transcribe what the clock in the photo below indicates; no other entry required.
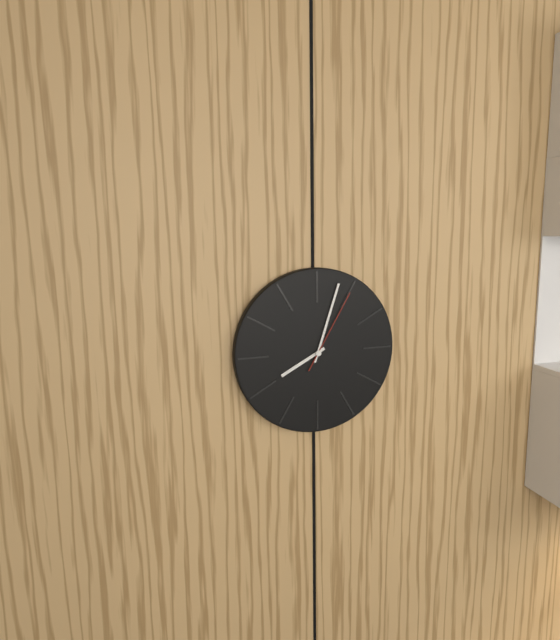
8:03:05
